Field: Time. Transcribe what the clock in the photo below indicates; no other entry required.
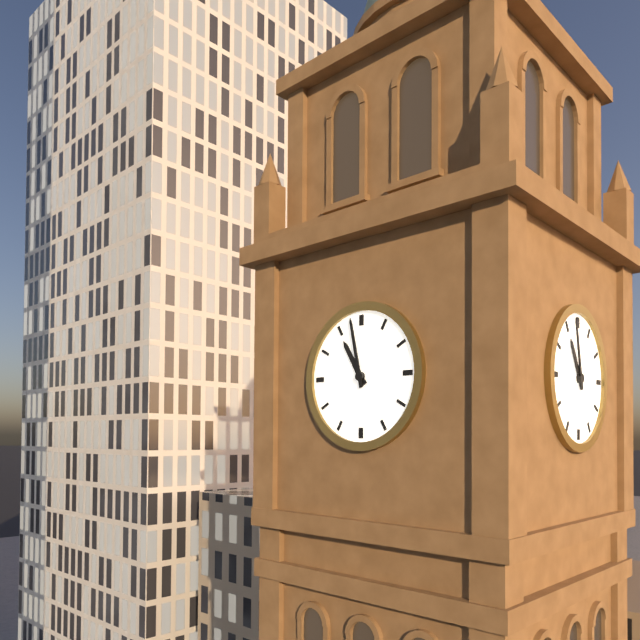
10:58
